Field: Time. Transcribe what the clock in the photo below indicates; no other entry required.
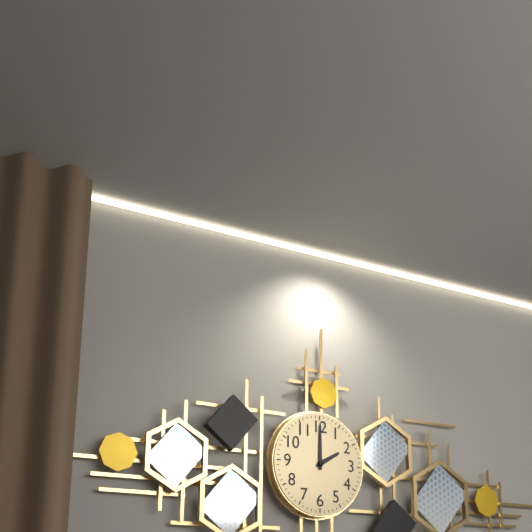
2:00
